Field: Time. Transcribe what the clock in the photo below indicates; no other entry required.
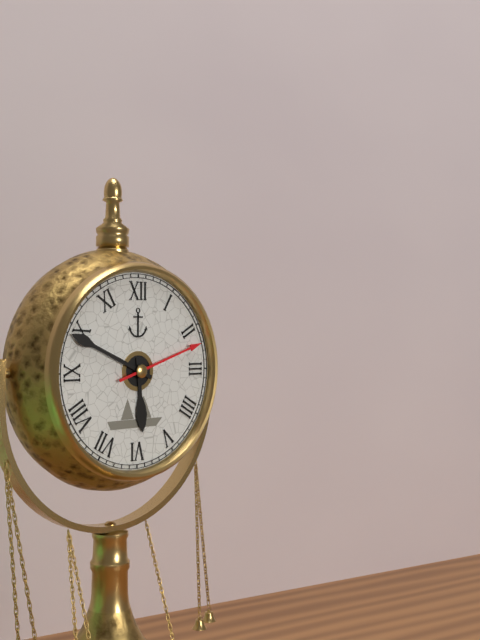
5:49:12
